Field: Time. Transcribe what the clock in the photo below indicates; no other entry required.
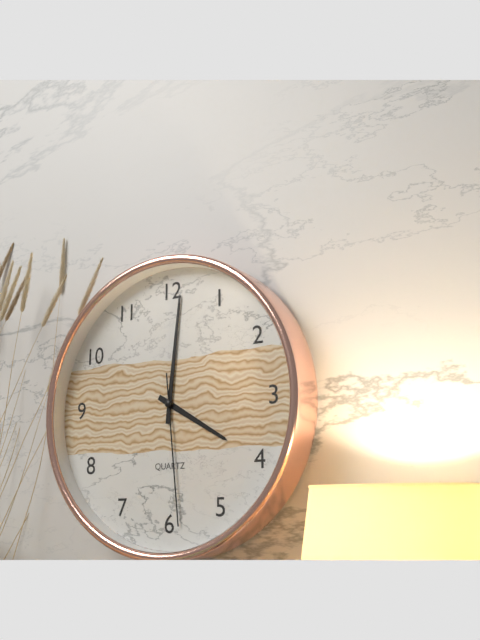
4:01:29
